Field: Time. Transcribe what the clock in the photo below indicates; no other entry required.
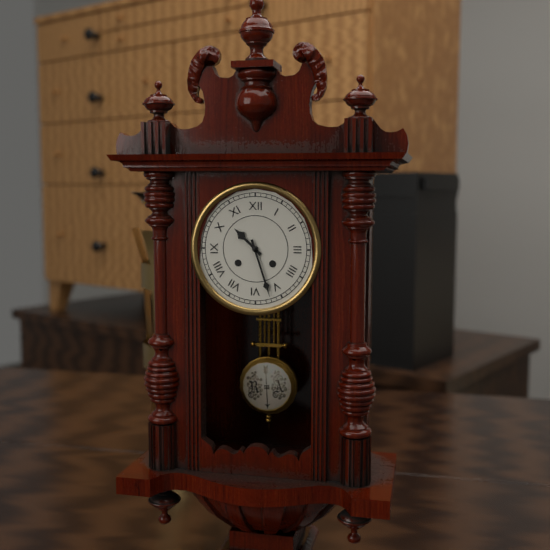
10:27
